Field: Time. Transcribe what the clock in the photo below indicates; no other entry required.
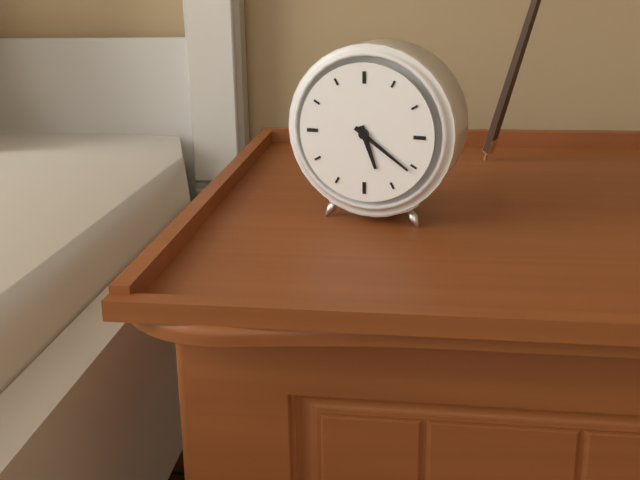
5:21
